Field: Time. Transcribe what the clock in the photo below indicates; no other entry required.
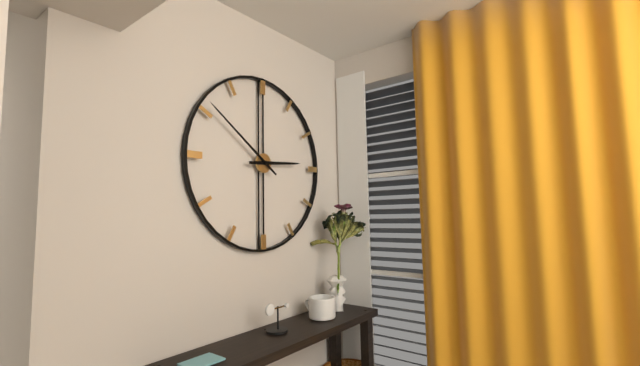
2:51
